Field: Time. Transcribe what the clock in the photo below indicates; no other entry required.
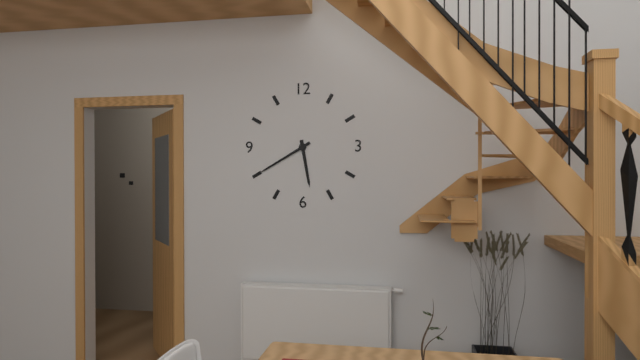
5:40
